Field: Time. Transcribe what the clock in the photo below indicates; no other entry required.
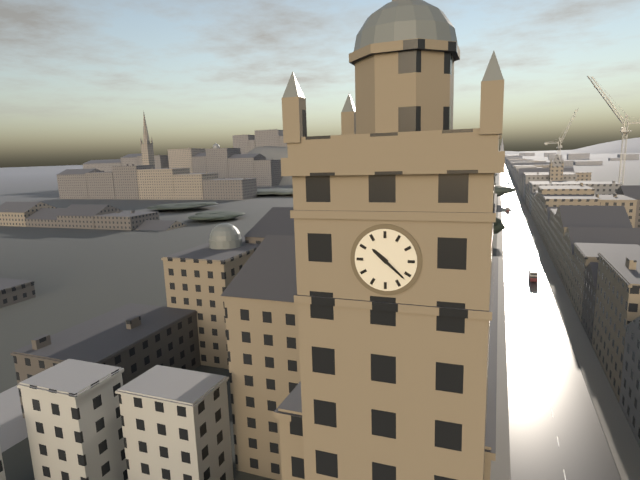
10:22
